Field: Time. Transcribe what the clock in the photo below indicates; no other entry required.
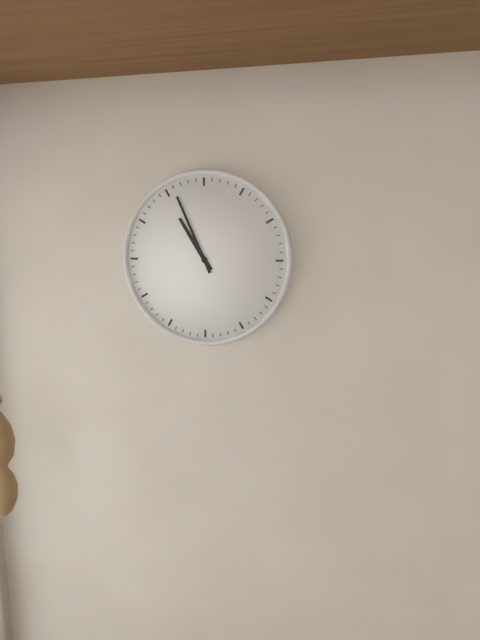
10:56
